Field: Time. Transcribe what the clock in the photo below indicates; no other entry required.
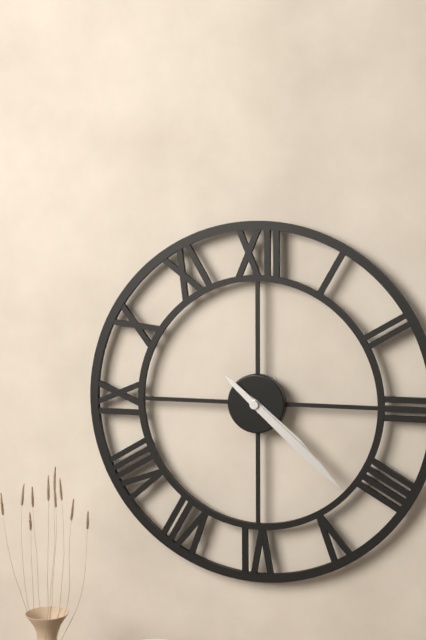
4:22
